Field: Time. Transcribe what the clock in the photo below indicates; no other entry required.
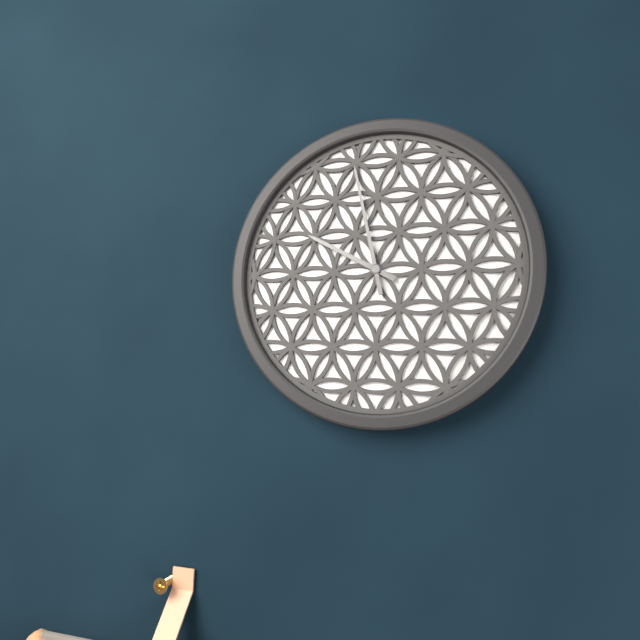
9:58
